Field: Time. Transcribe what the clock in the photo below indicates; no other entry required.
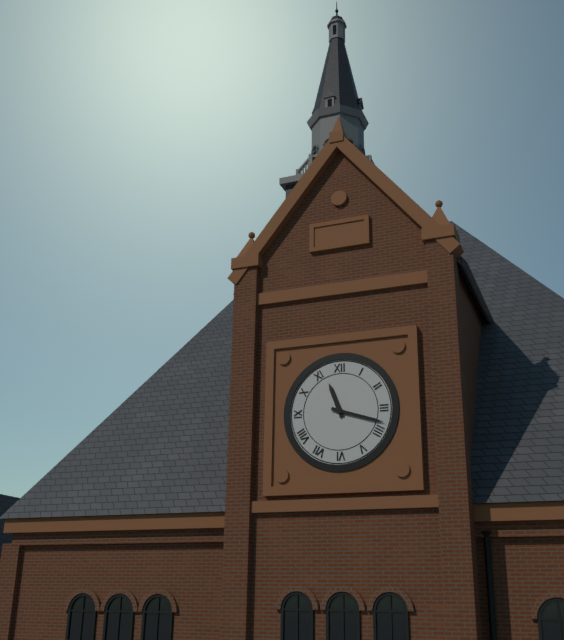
11:18
